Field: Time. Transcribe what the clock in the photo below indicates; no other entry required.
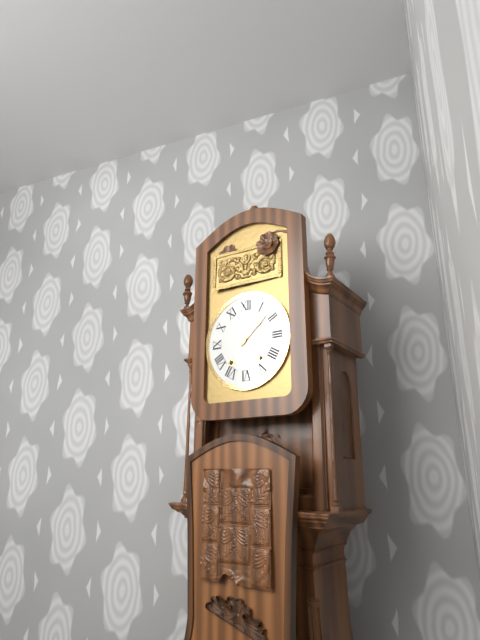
4:08
